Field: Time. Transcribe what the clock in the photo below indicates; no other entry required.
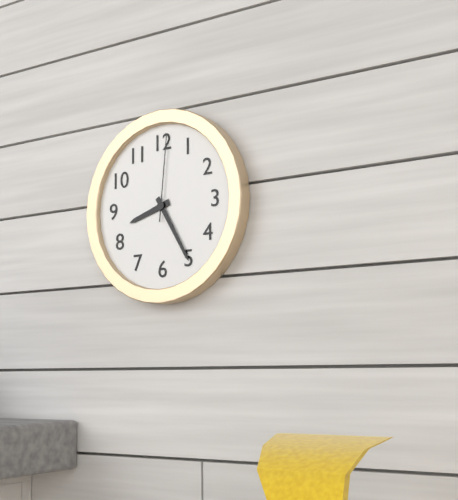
8:25:01
